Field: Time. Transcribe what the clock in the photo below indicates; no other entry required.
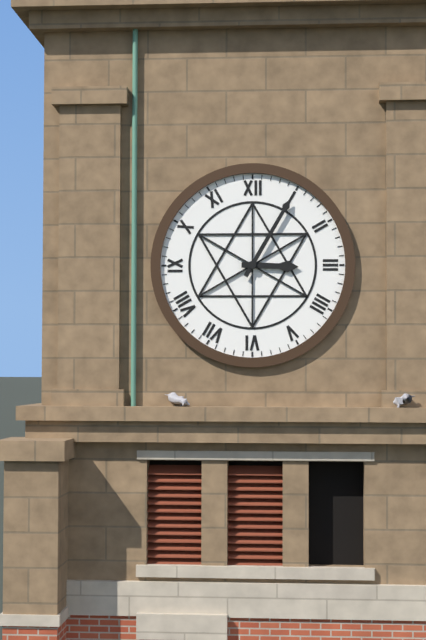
3:05
